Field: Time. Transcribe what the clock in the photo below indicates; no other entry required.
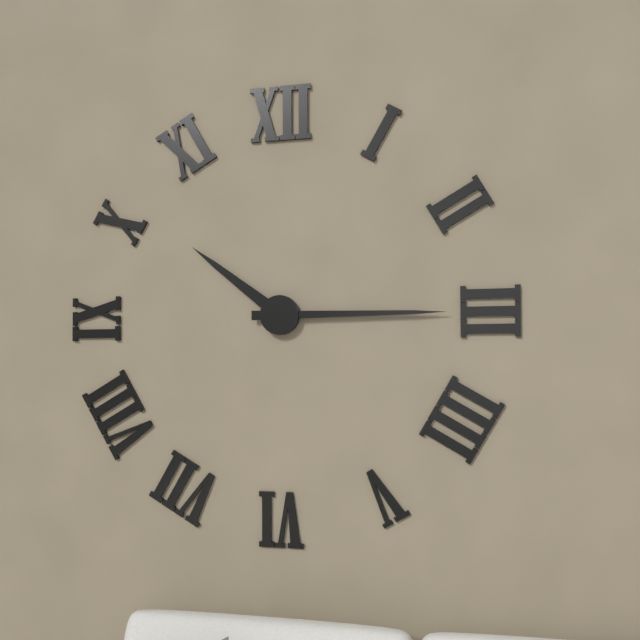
10:15
